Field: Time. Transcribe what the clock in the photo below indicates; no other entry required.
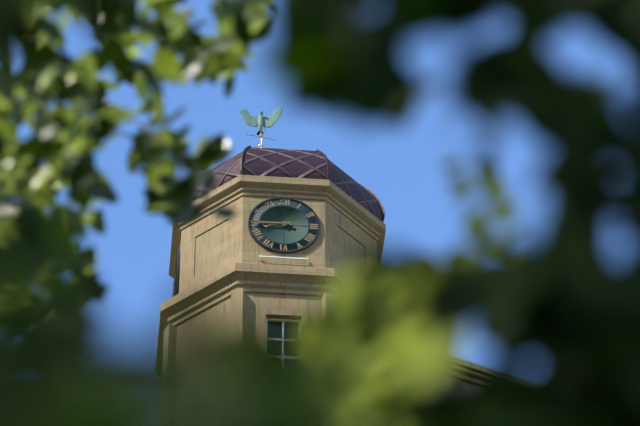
8:45
